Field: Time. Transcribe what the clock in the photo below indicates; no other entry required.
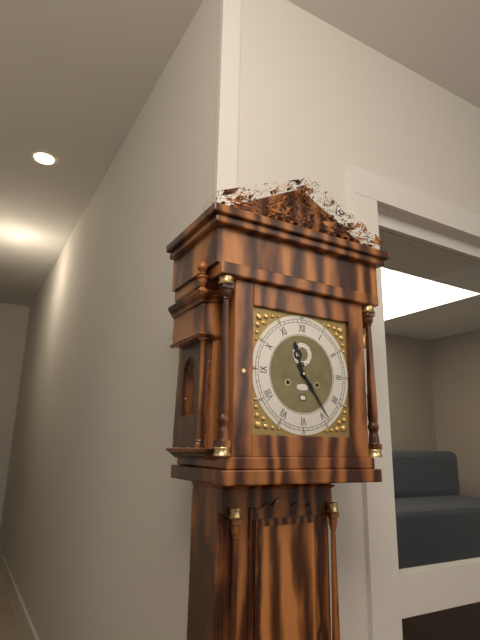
11:24
